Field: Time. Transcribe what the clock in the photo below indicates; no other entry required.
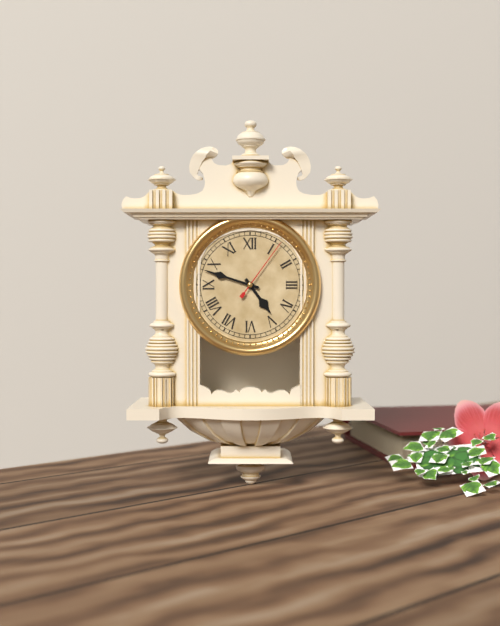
4:48:06
